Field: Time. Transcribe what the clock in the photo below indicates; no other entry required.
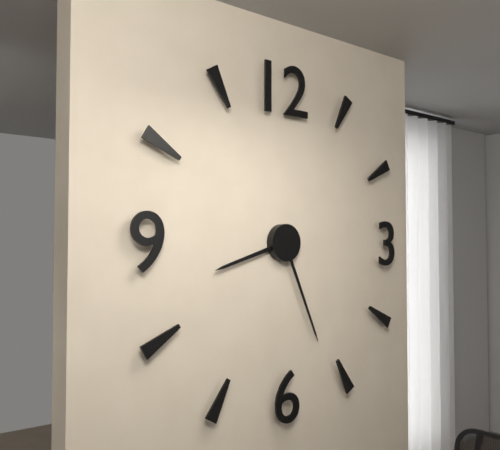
8:26
